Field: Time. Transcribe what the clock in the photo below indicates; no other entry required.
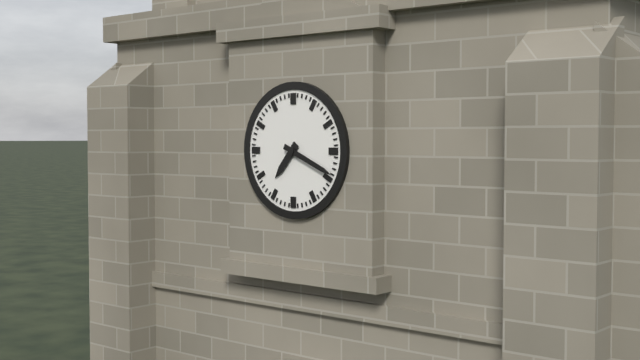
7:19
